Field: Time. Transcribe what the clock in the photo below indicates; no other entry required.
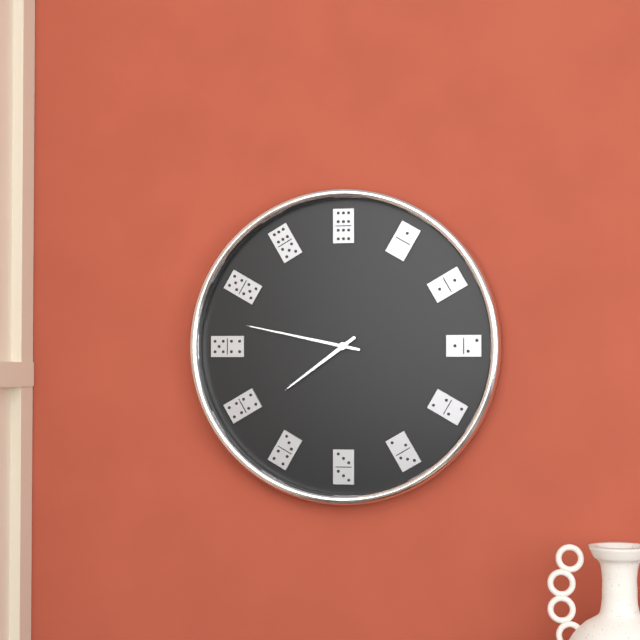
7:47
